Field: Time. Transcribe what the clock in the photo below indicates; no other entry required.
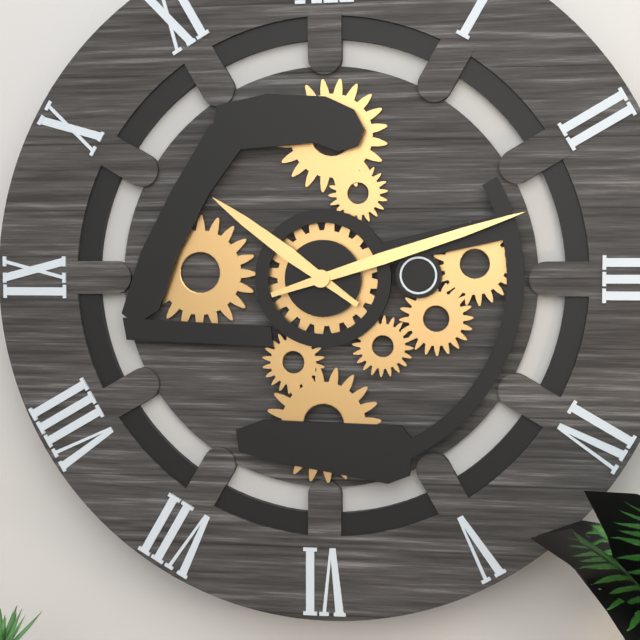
10:12
